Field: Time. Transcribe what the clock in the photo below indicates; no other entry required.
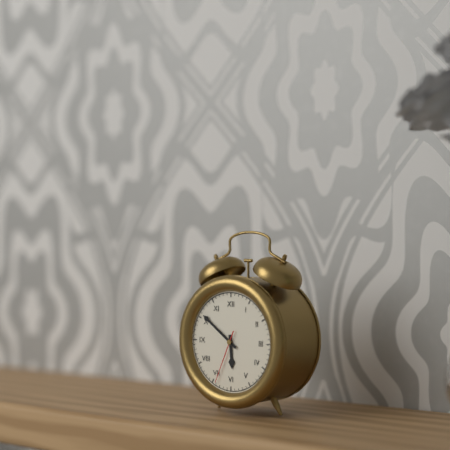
5:51:34
